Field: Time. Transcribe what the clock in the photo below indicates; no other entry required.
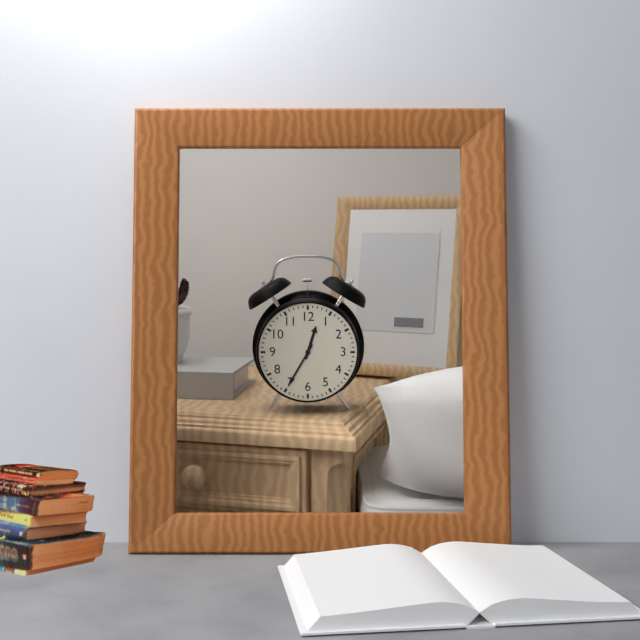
12:35
